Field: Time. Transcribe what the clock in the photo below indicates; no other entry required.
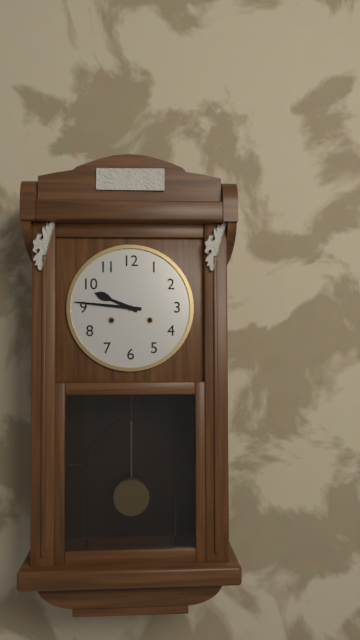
9:46
